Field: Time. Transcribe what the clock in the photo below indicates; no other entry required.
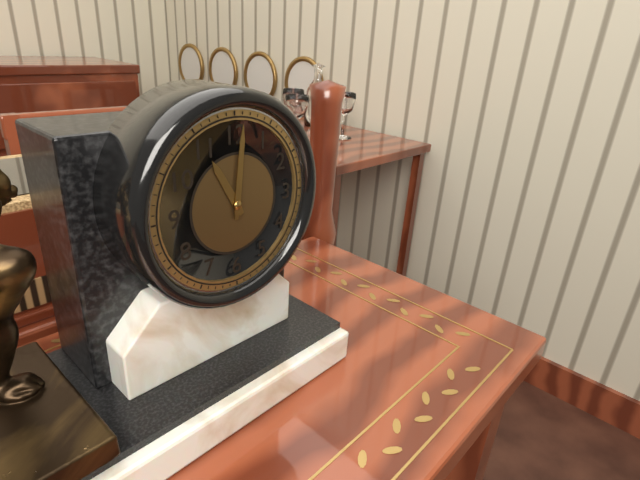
11:01
